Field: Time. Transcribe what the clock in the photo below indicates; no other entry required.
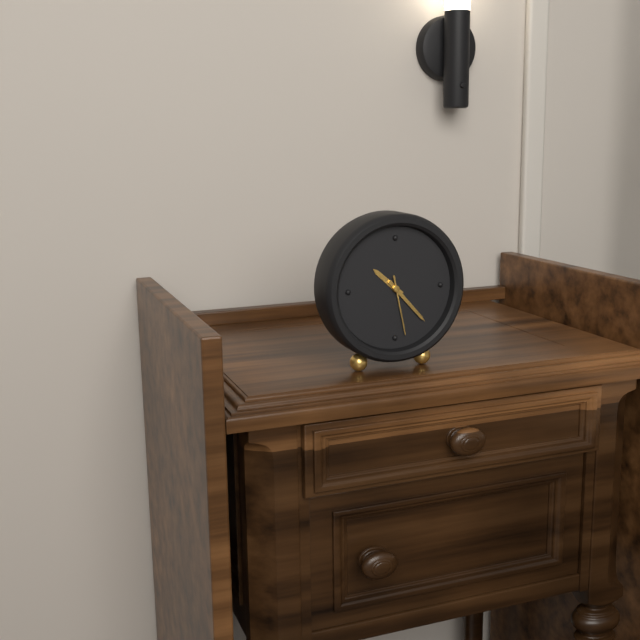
10:23:28
